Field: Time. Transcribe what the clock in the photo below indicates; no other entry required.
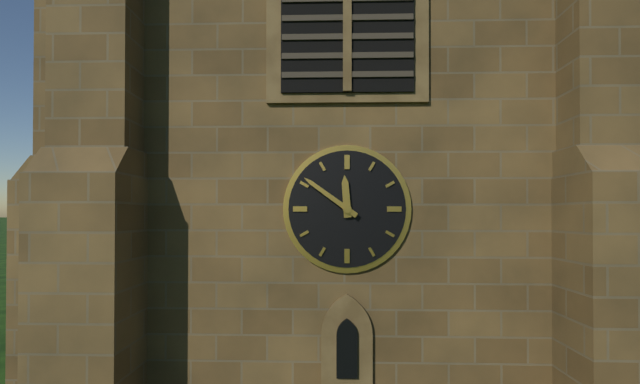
11:51
